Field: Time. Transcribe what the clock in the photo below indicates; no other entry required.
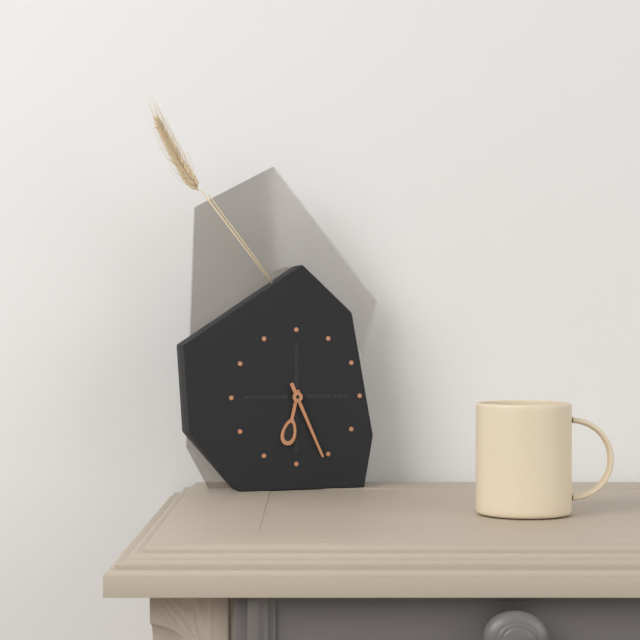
6:26
